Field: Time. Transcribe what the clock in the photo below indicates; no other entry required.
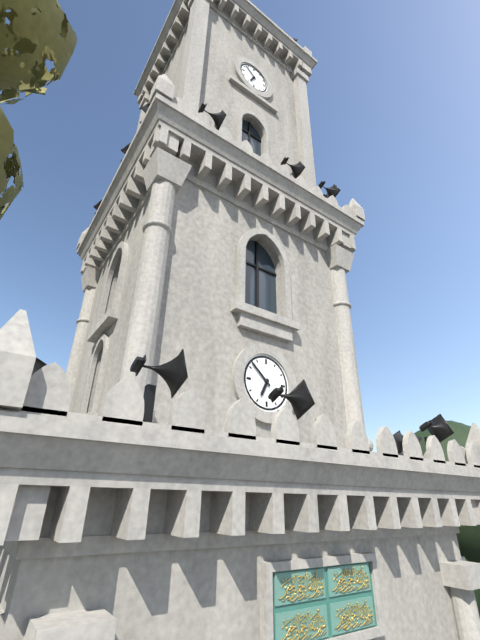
6:52
